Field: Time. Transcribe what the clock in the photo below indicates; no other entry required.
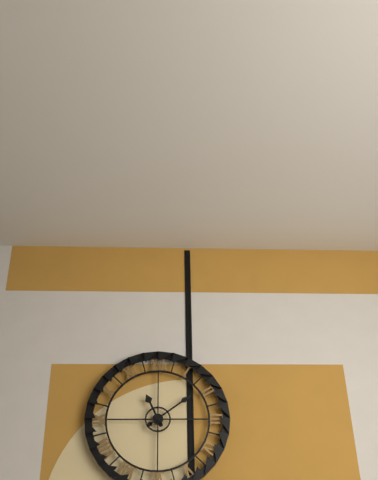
11:09
